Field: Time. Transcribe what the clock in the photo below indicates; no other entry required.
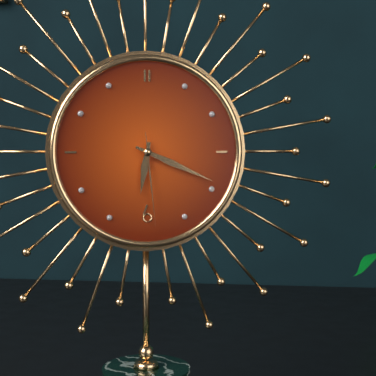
6:19:29
